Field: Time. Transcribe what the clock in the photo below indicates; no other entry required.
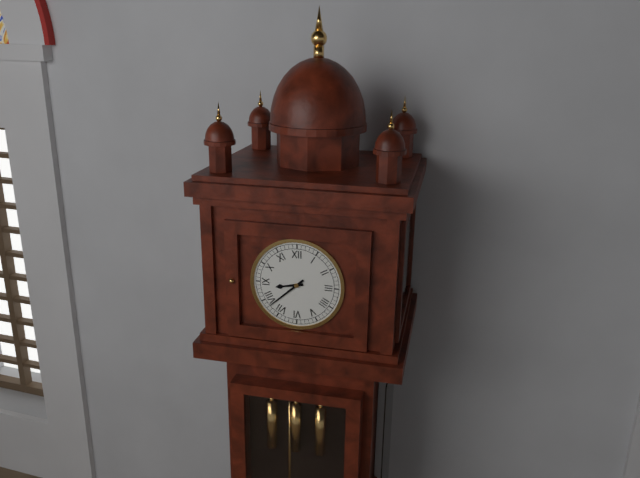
8:38
